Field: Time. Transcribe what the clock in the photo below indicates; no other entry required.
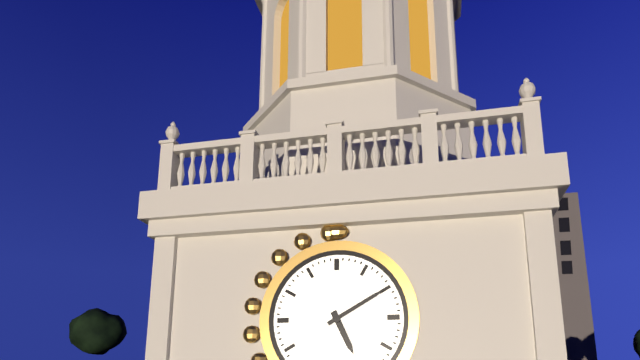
5:10
